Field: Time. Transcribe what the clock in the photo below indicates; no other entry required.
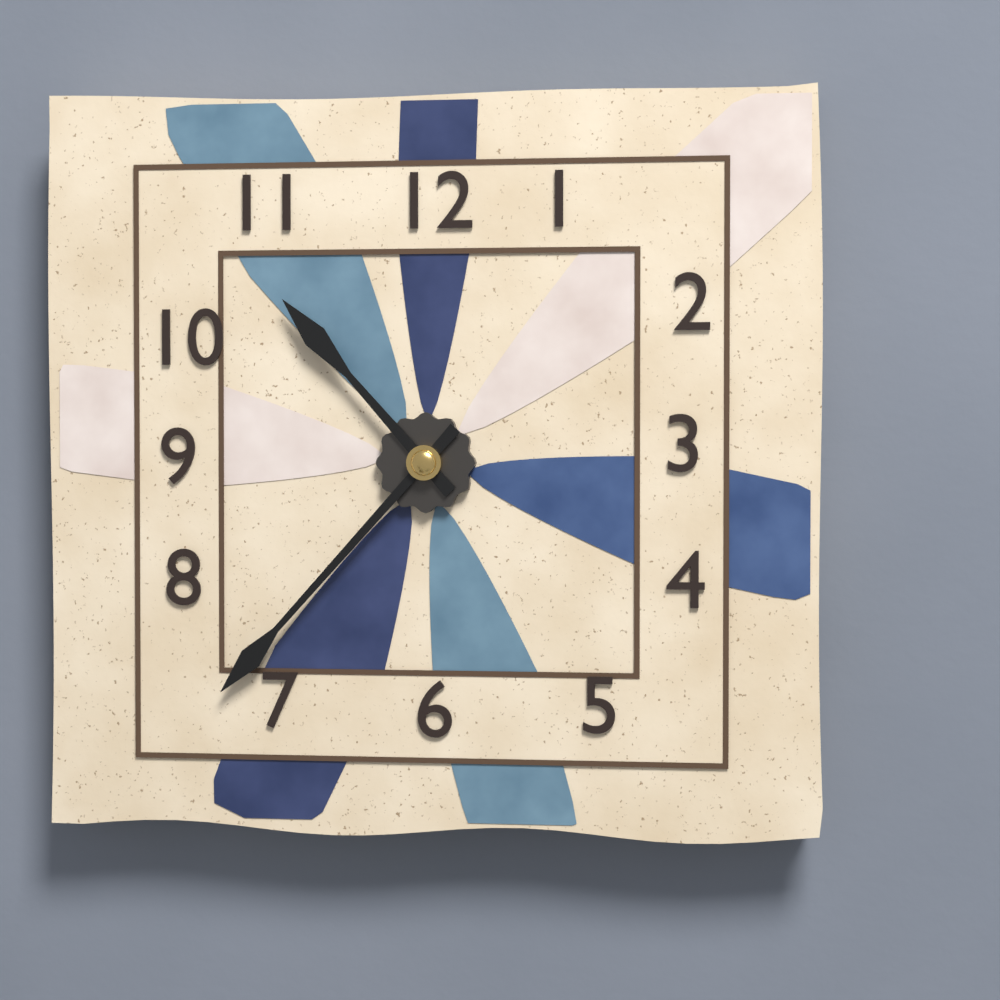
10:37
